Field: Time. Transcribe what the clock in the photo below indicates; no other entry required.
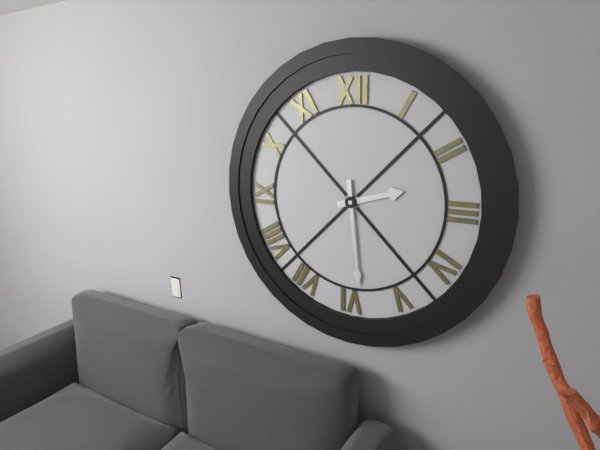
2:29
